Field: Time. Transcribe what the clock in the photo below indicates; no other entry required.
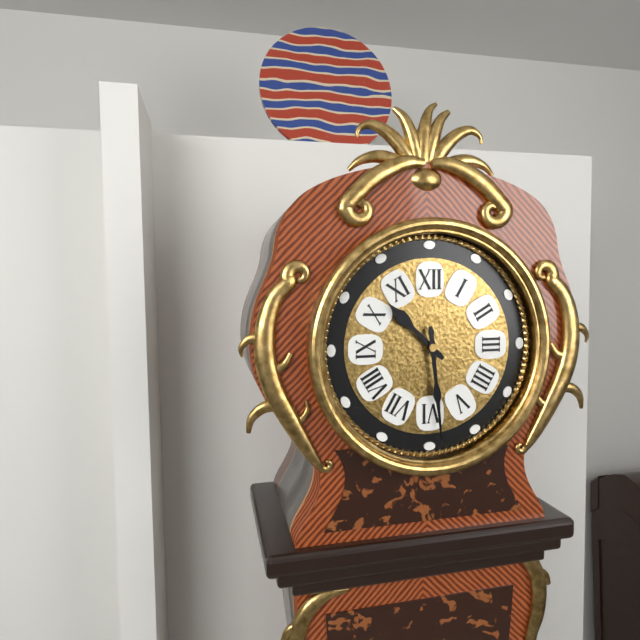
10:29
